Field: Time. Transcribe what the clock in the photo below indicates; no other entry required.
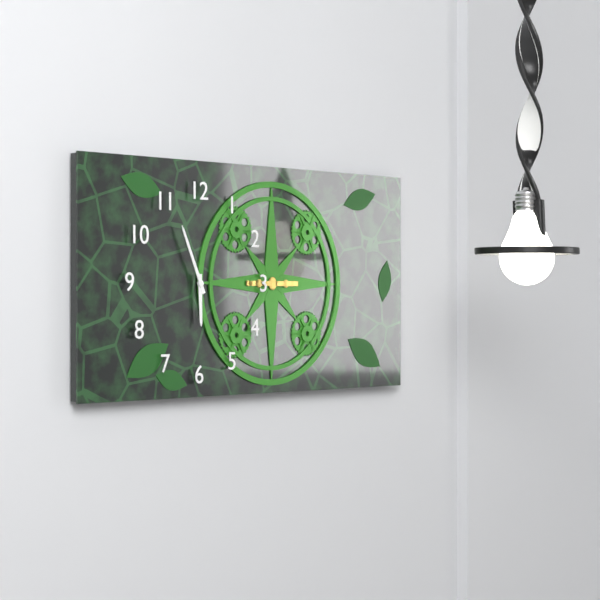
5:56
